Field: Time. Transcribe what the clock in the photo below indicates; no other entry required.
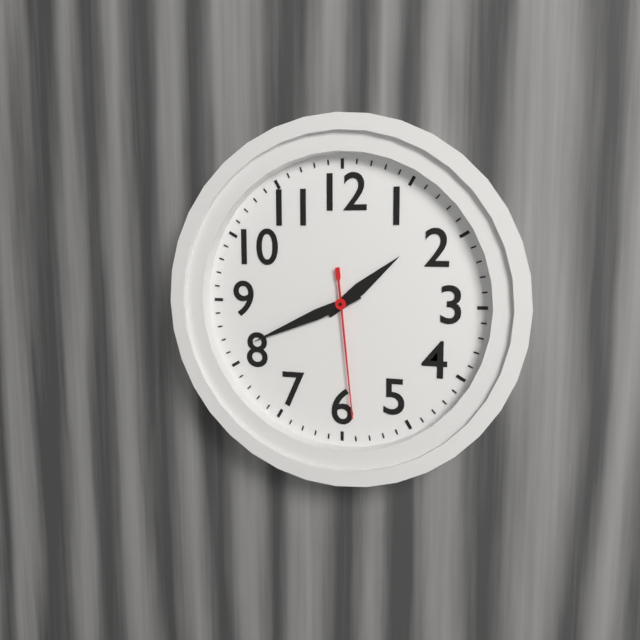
1:41:29
